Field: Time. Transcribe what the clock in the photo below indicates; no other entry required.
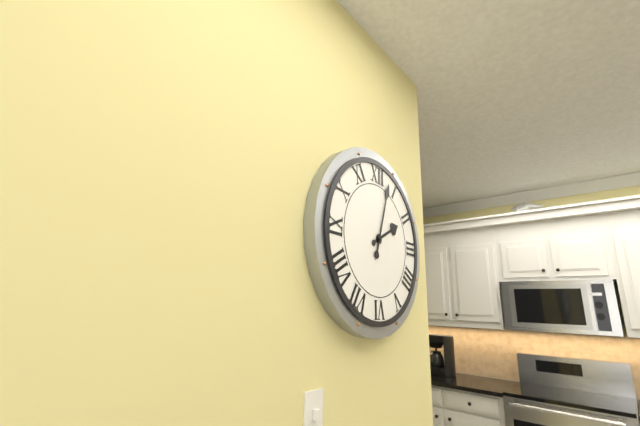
2:03
